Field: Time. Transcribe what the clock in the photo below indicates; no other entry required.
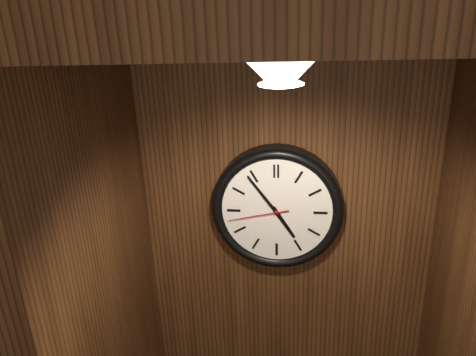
4:54:43
